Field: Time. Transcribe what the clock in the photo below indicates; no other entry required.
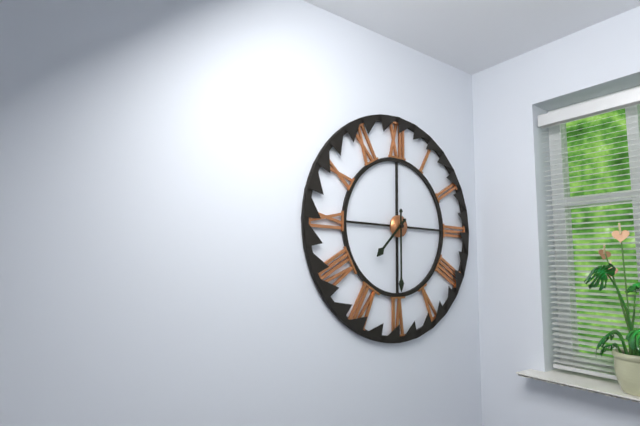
7:30
